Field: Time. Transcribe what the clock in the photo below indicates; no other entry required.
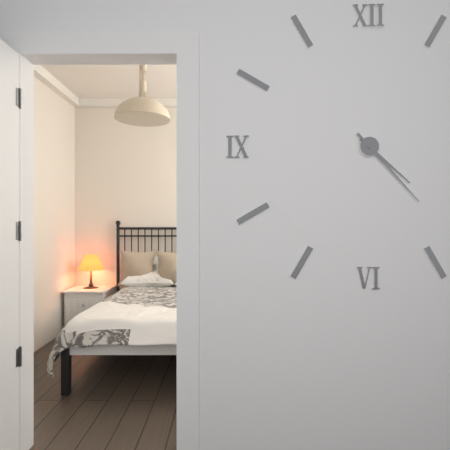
4:23
